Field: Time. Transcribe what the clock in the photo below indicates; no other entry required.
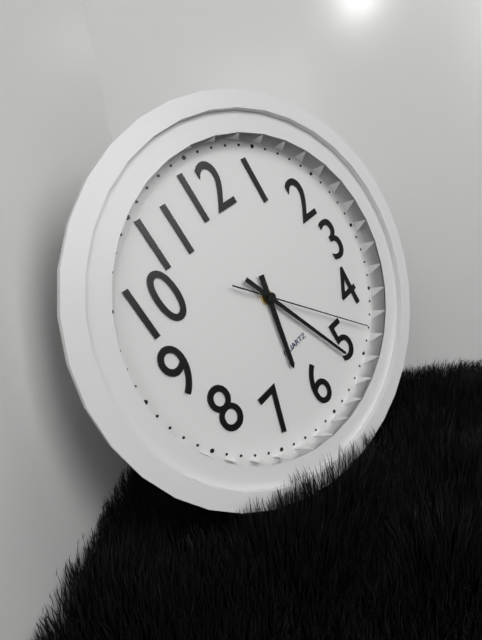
6:26:23
